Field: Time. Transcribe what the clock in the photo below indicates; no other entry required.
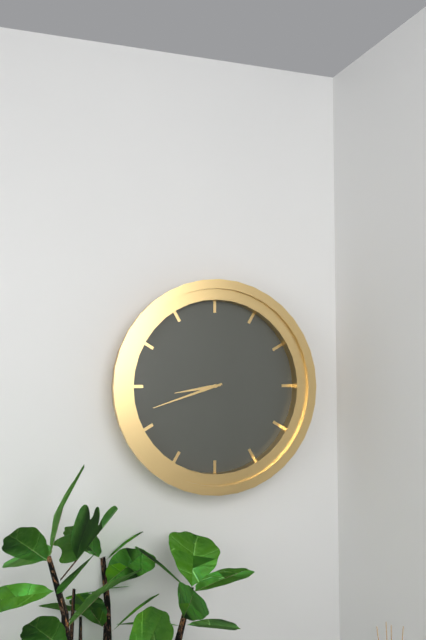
8:42
